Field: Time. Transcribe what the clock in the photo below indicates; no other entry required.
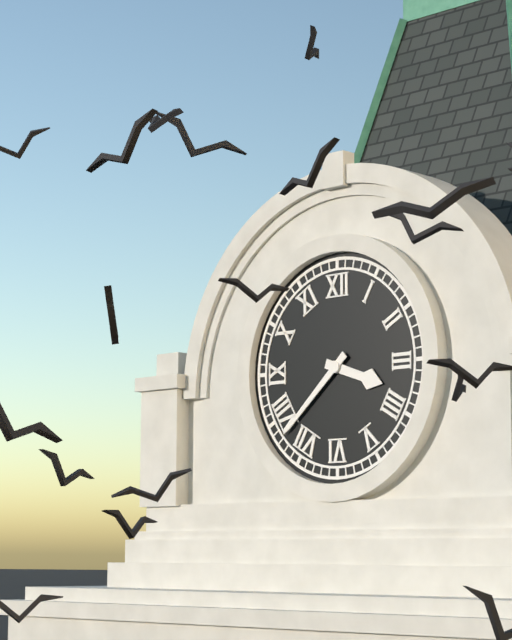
3:38
